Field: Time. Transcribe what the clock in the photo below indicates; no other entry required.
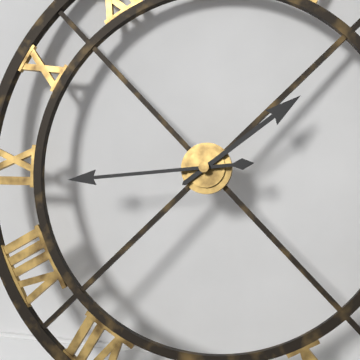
1:44
